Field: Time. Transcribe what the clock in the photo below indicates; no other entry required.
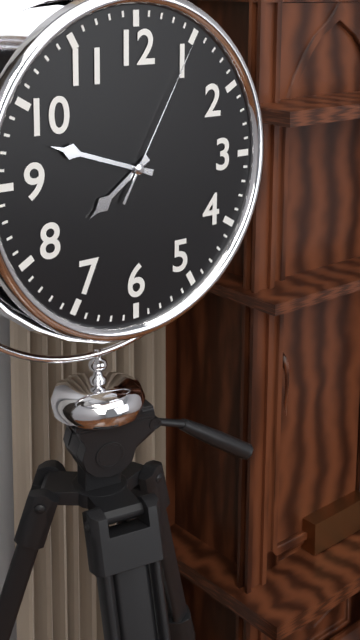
7:48:05
